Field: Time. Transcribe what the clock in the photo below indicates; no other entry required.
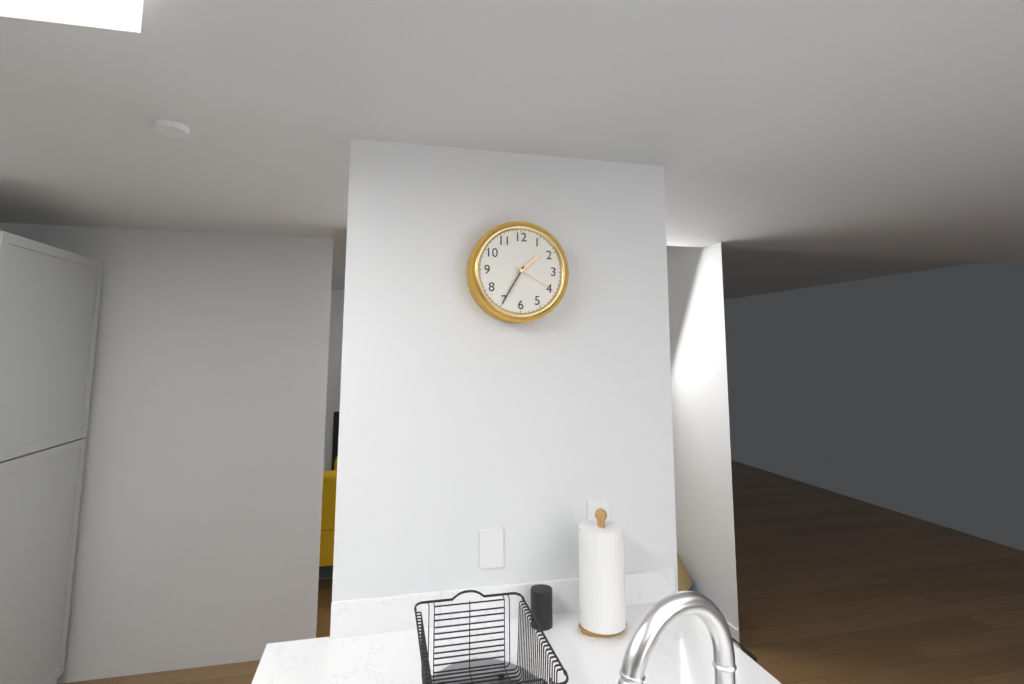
1:35
